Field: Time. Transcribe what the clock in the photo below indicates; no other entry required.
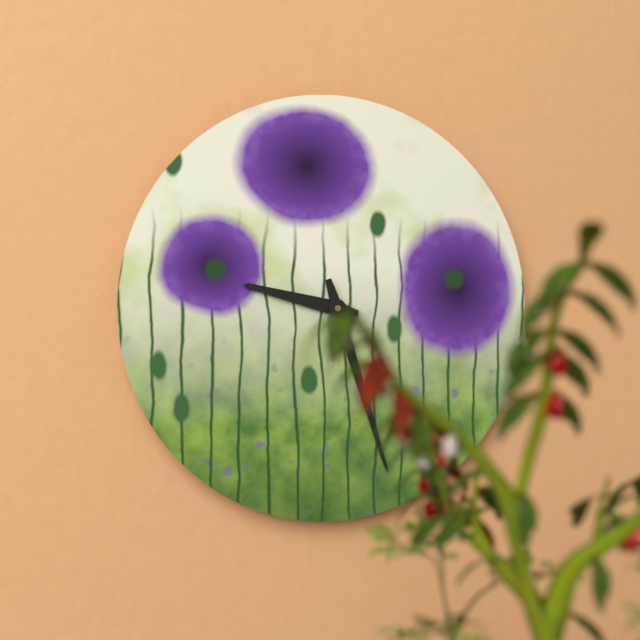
9:27
